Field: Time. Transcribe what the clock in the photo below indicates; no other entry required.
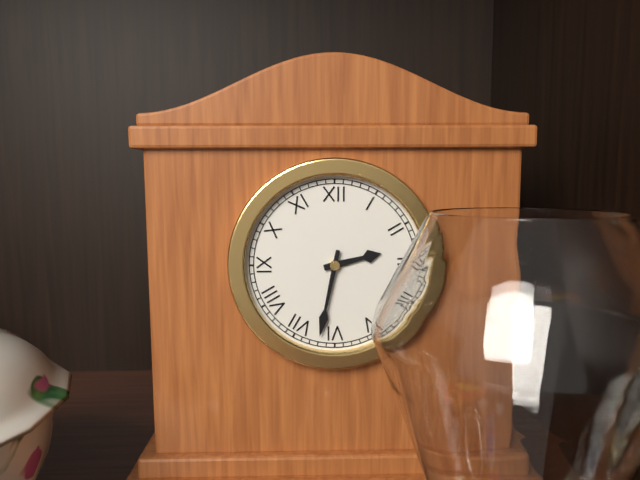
2:32
